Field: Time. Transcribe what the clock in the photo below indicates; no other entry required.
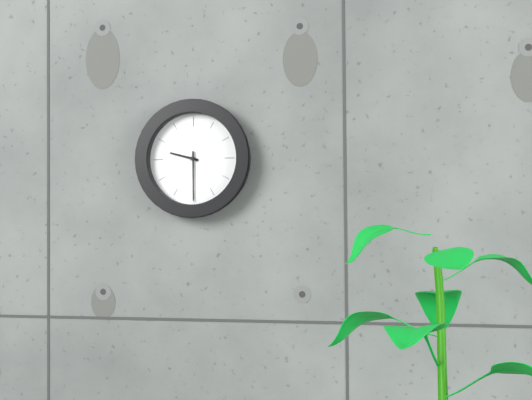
9:30
